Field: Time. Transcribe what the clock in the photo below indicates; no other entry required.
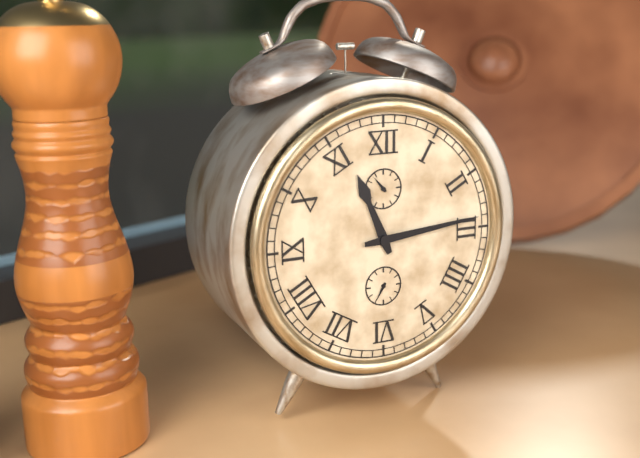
11:14
